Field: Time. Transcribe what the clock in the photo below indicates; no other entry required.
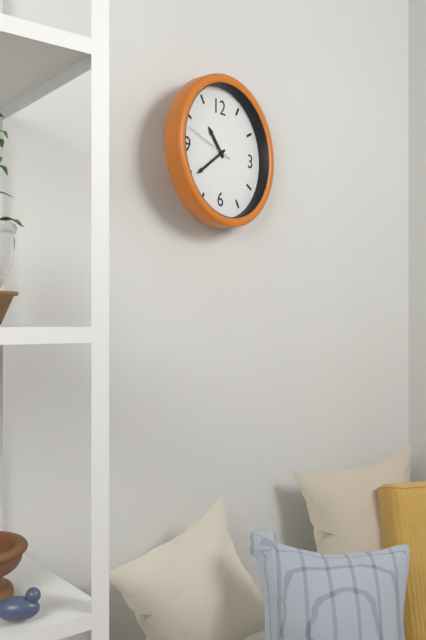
10:39
